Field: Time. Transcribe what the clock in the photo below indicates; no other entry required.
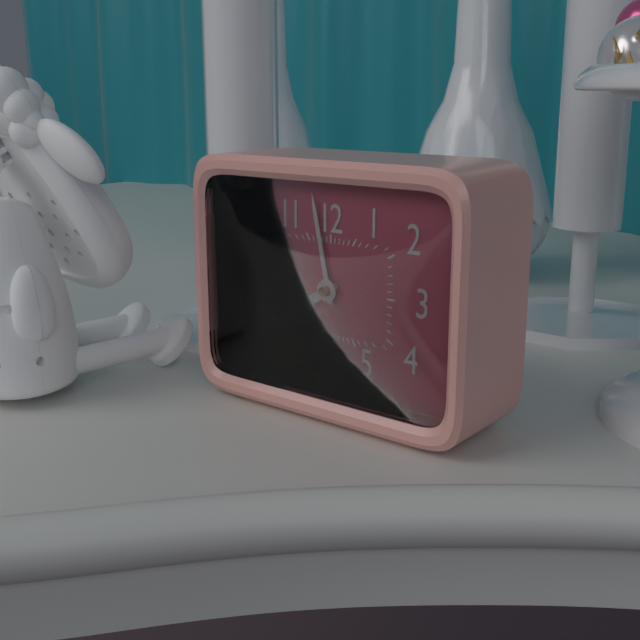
7:58
